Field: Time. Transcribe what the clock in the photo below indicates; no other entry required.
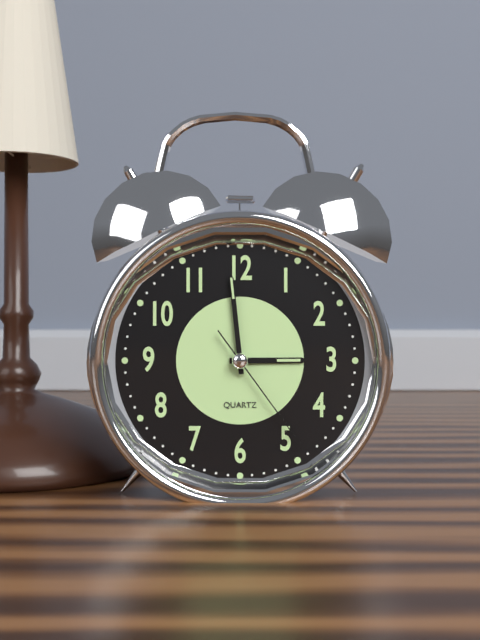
2:59:24
